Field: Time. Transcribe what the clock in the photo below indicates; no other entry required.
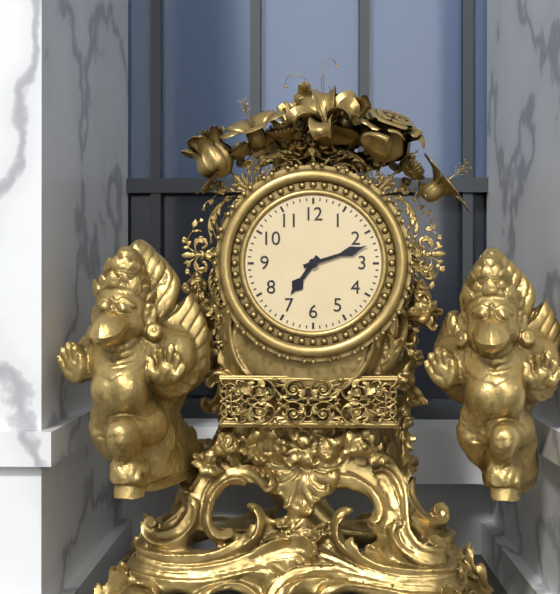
7:12
